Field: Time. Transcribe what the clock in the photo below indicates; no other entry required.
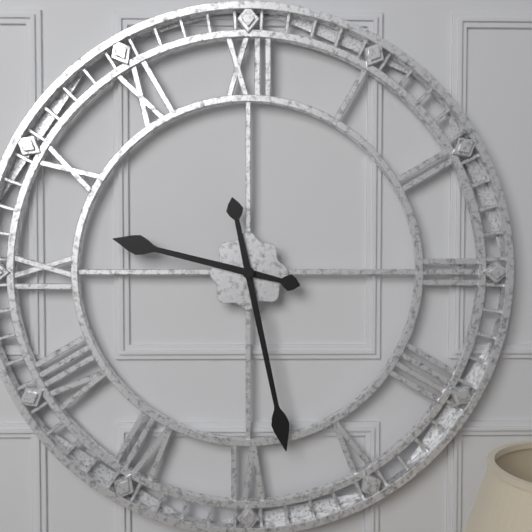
9:28
